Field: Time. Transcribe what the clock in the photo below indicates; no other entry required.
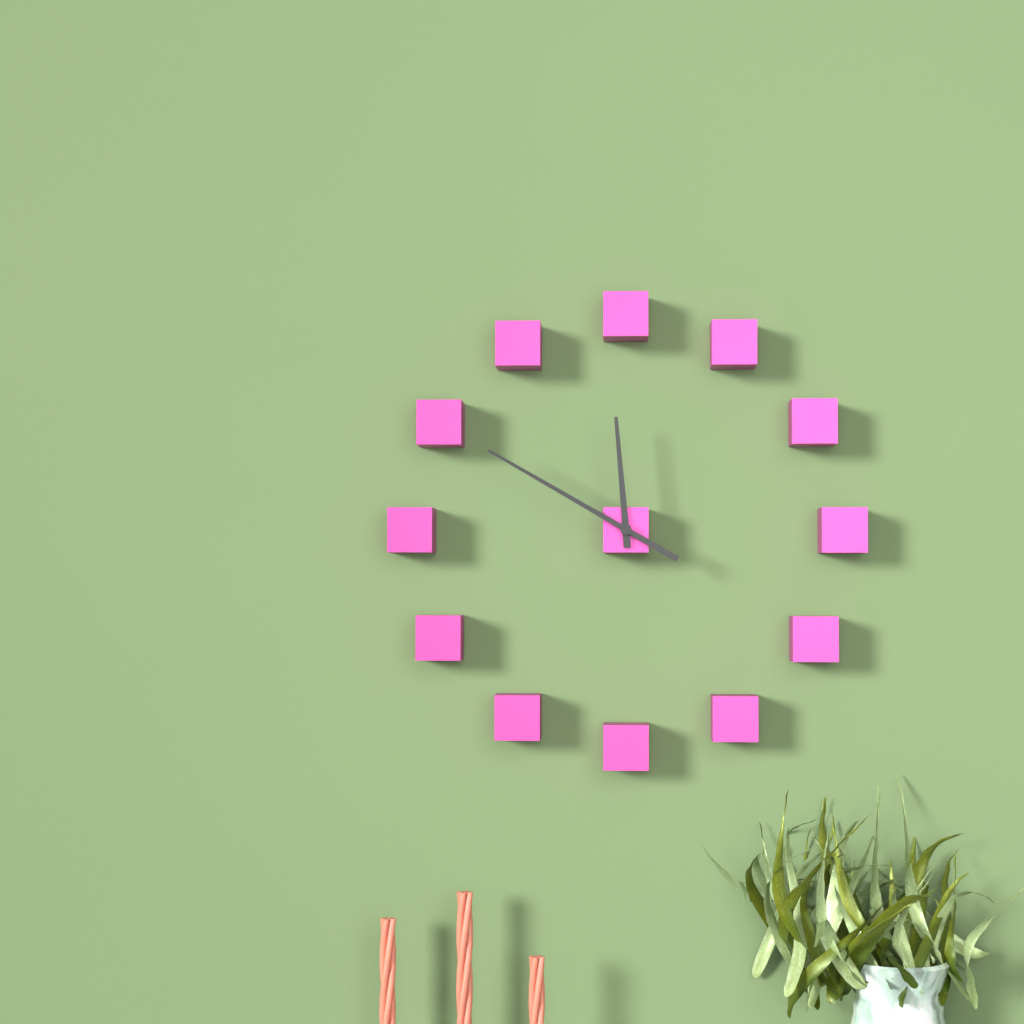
11:50
